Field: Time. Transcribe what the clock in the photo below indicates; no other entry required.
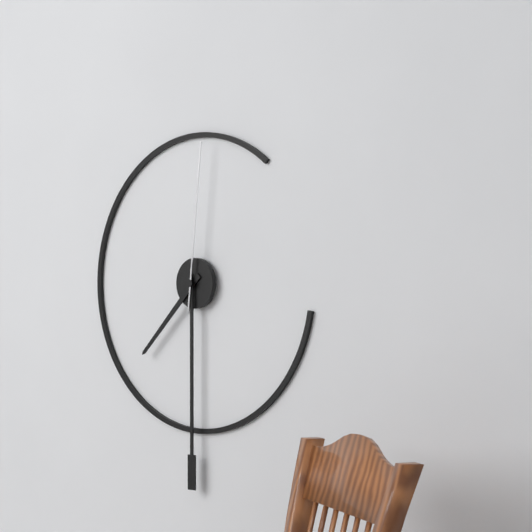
7:30:01
